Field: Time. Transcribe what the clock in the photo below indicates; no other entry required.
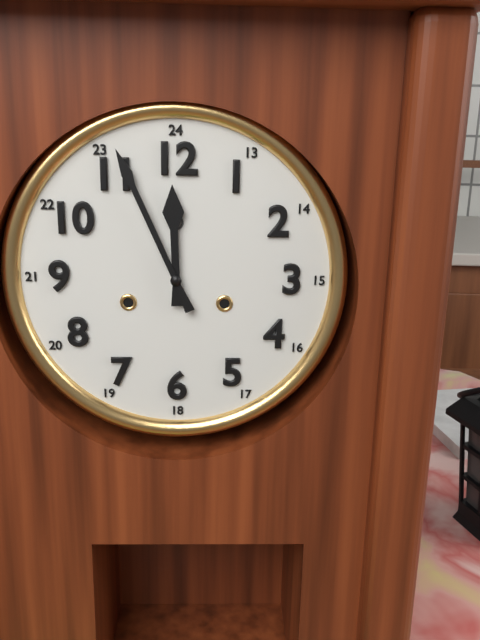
11:56
